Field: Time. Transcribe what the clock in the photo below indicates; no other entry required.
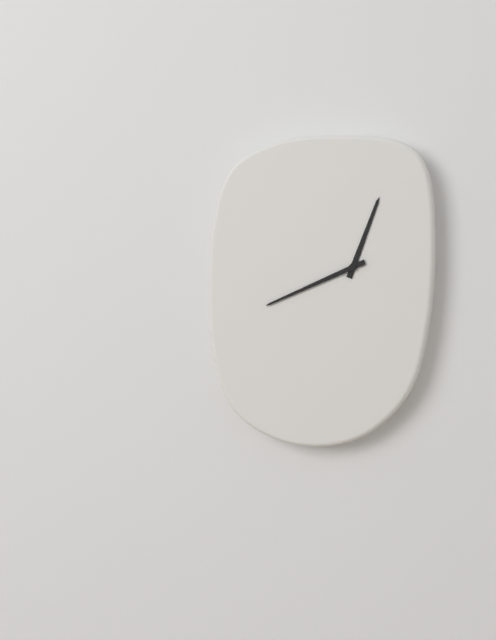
12:41
